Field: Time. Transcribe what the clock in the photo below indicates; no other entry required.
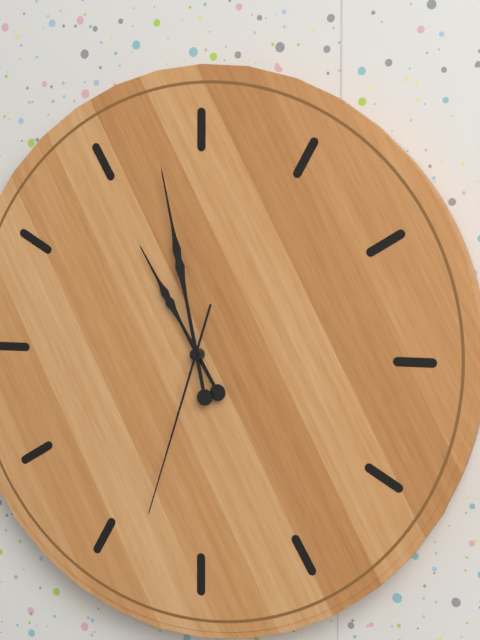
10:58:33
